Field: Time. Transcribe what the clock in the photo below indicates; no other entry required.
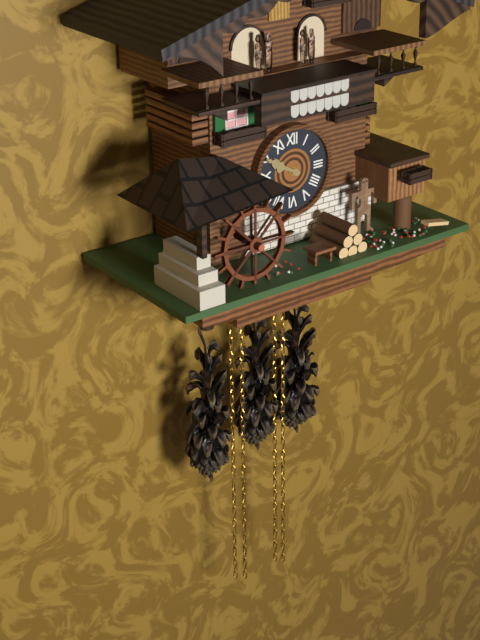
9:50
